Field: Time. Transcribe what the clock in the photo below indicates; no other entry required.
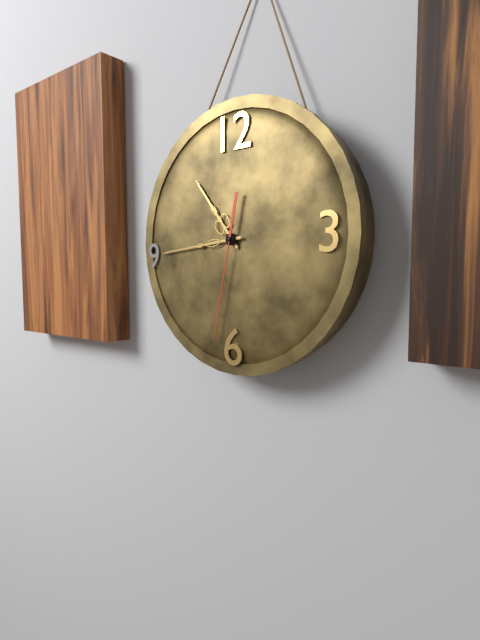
10:44:32
